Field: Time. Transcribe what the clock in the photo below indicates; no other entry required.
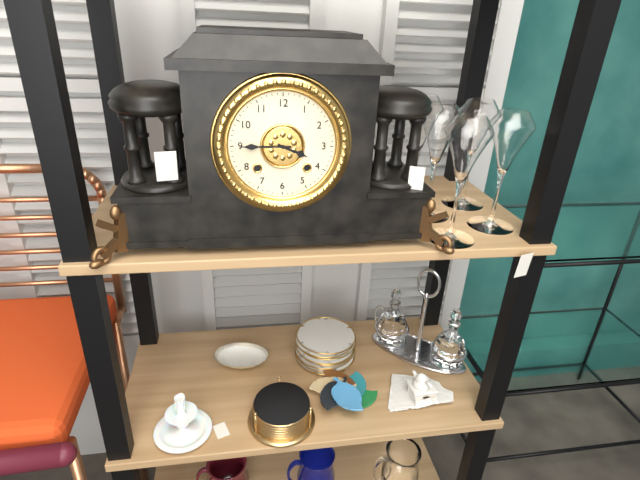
3:45
